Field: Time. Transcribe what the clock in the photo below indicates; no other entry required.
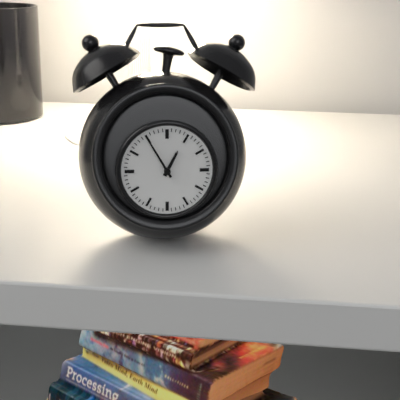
12:55
